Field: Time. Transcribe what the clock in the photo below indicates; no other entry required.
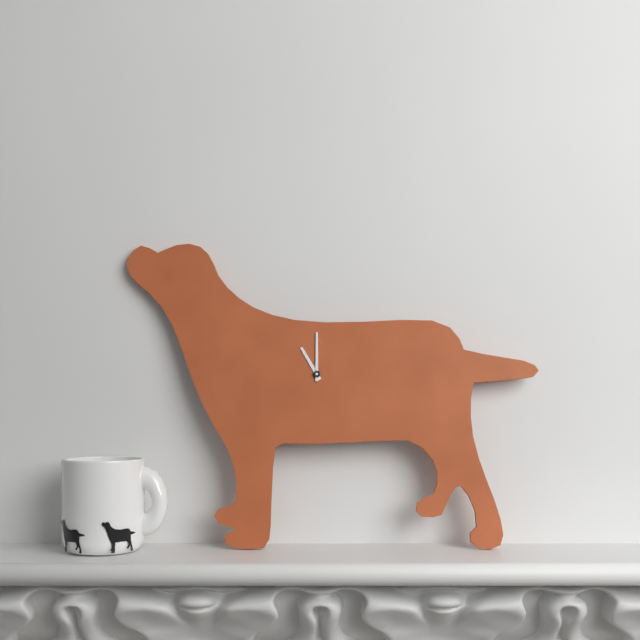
11:00
